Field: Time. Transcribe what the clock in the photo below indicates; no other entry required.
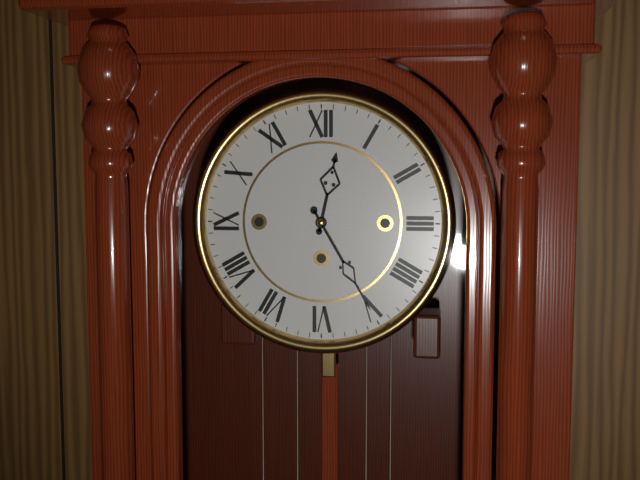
12:25
